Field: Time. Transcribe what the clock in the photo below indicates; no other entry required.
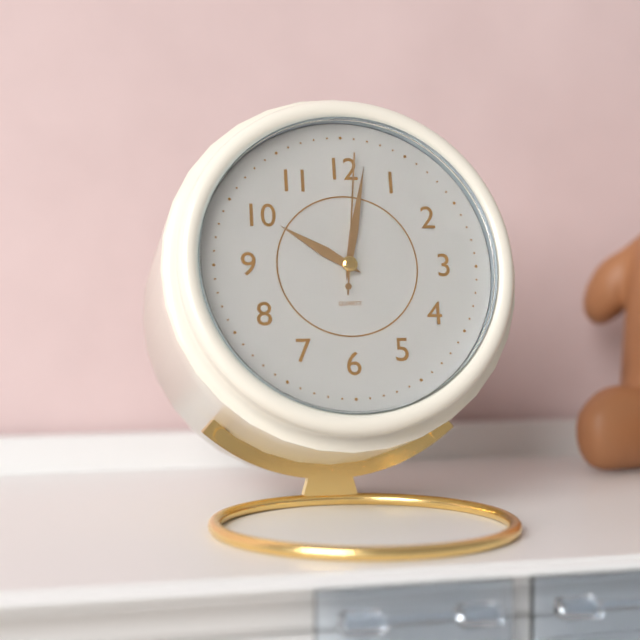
10:02:01
